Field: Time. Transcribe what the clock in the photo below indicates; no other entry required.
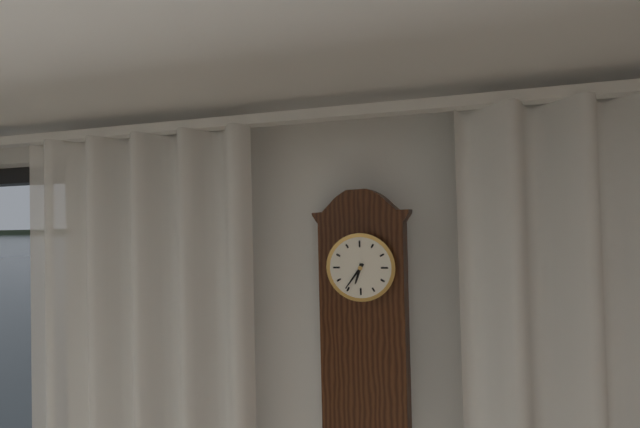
6:36
